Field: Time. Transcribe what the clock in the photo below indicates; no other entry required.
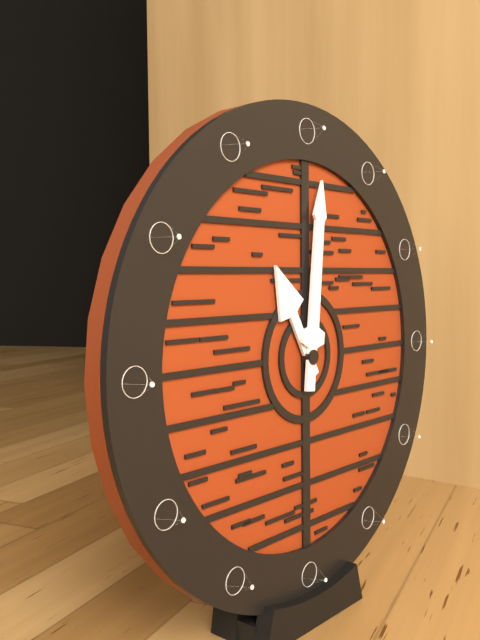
11:01
